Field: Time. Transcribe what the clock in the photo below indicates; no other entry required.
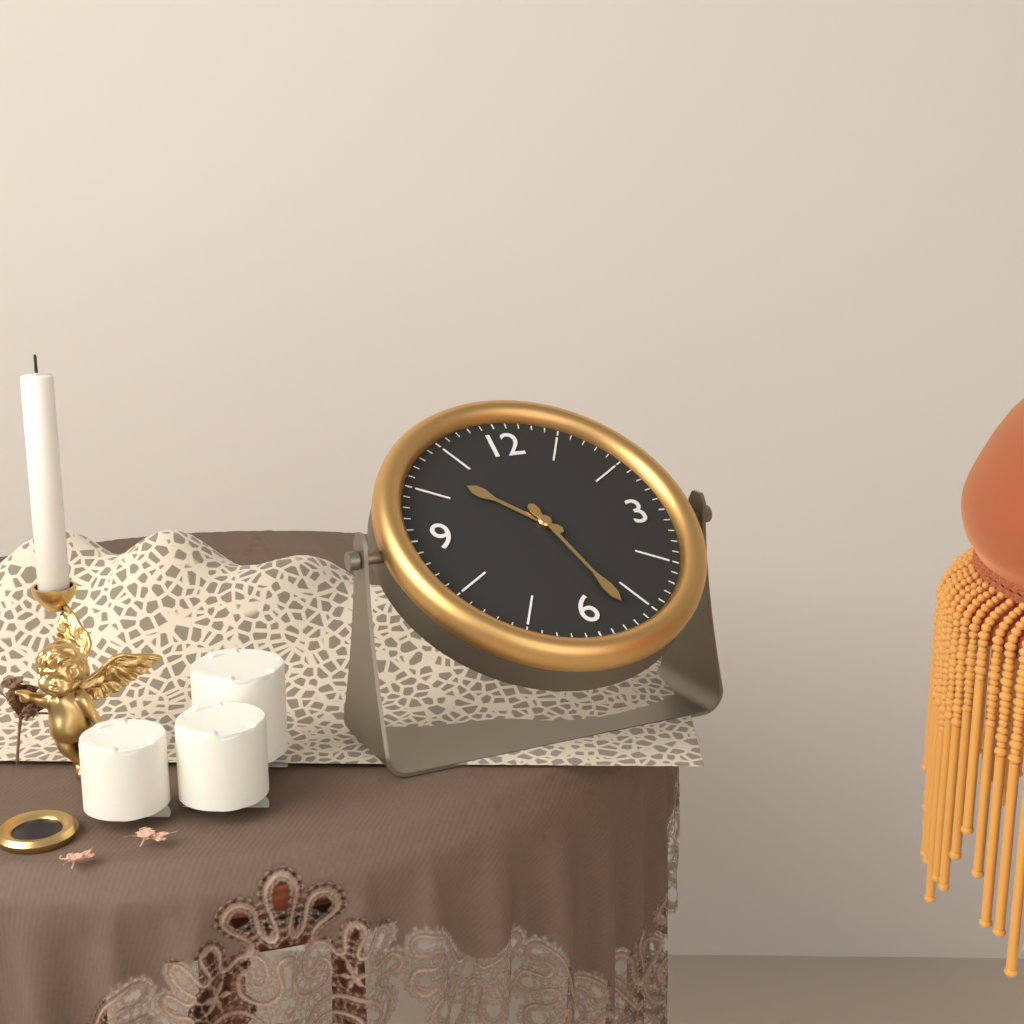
10:27
